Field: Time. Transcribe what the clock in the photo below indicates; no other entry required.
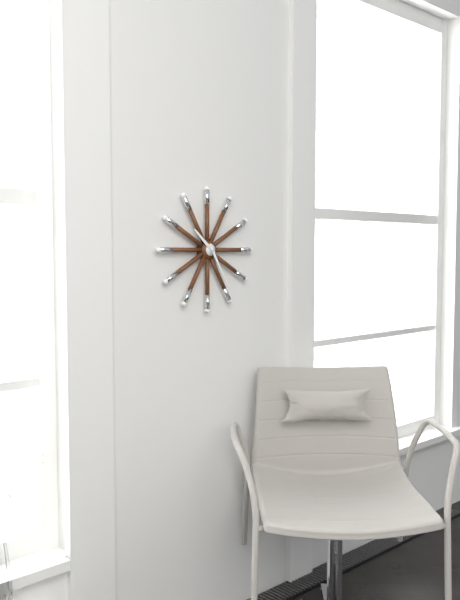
10:25
